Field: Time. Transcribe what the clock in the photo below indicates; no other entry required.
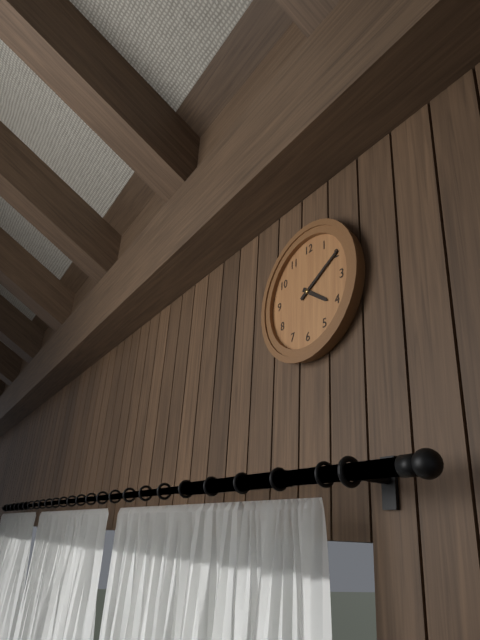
4:10
